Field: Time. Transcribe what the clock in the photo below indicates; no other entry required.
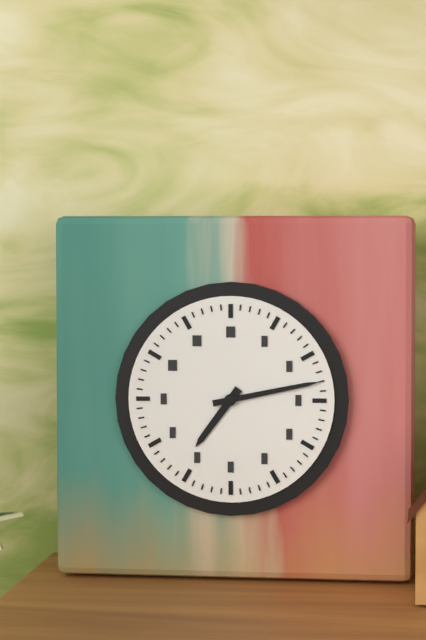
7:13
